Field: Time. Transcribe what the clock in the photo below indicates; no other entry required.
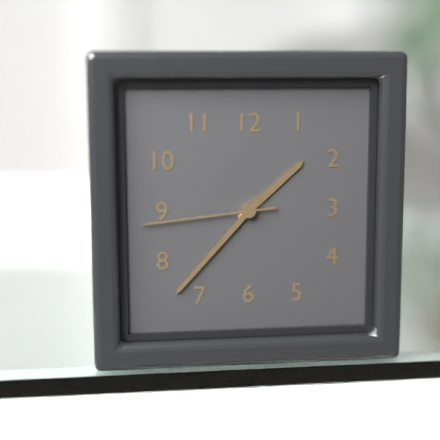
1:37:44
